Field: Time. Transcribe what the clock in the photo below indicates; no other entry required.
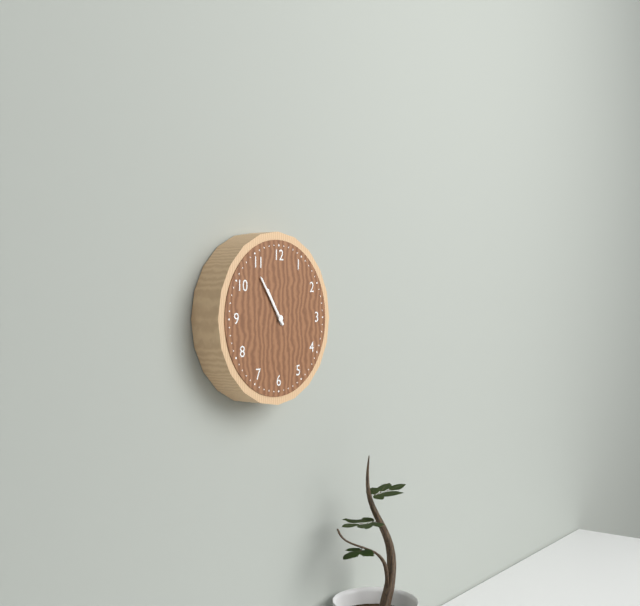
10:54
